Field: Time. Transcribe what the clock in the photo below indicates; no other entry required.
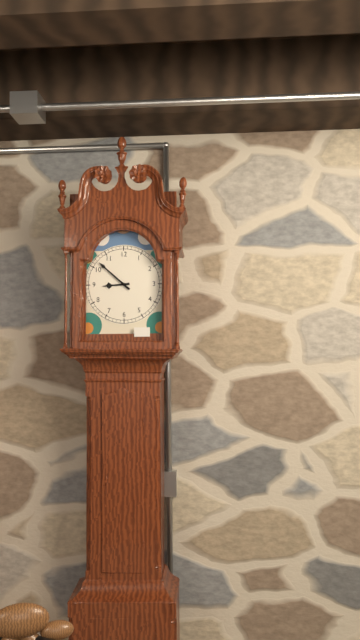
8:52
